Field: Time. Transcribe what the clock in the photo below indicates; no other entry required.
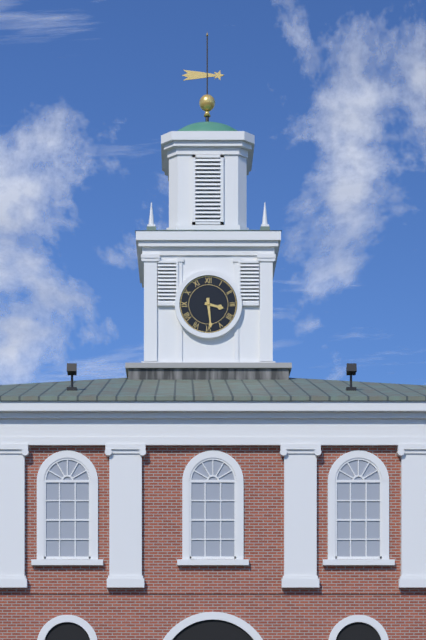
3:29
